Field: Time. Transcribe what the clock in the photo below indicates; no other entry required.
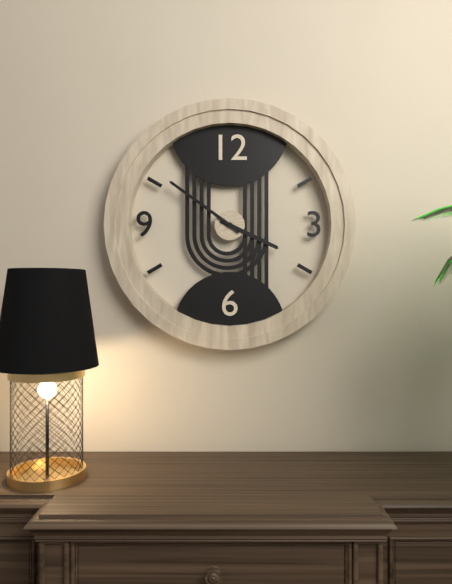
3:51
